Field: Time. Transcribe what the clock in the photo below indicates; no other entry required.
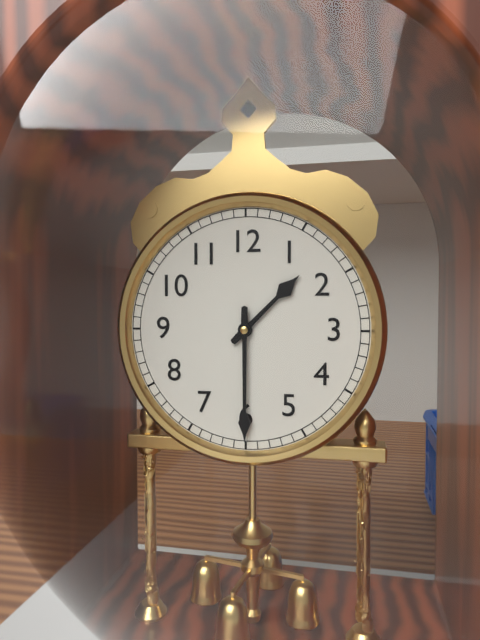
1:30
